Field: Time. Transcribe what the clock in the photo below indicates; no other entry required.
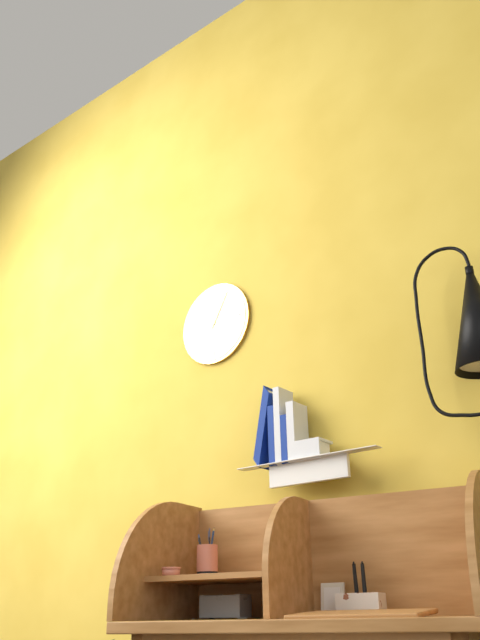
10:05
